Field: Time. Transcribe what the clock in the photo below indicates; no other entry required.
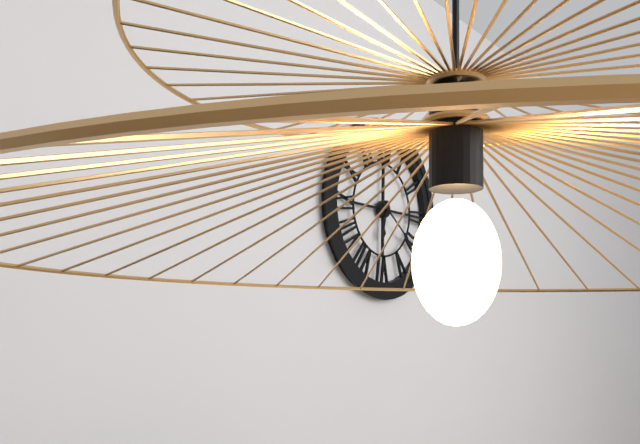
6:21
